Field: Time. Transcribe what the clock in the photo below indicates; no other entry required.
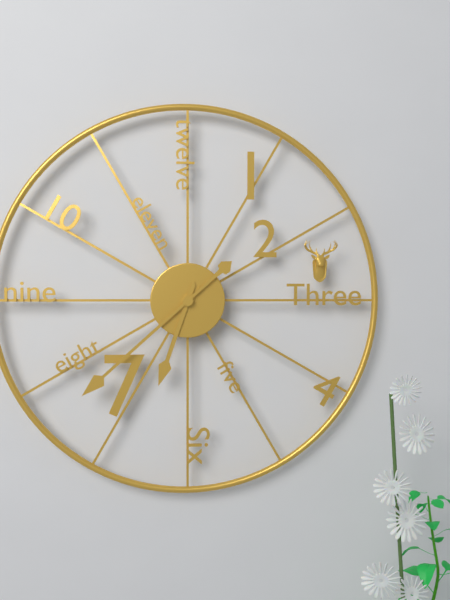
6:38
